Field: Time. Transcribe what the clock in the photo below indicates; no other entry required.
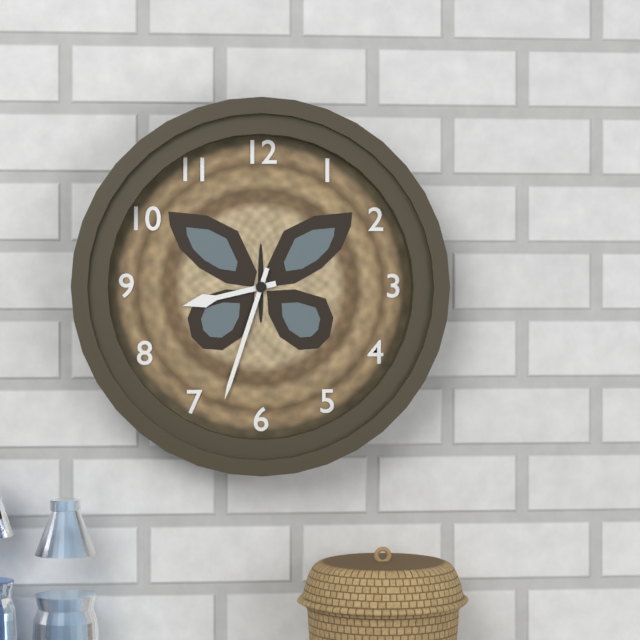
8:33
